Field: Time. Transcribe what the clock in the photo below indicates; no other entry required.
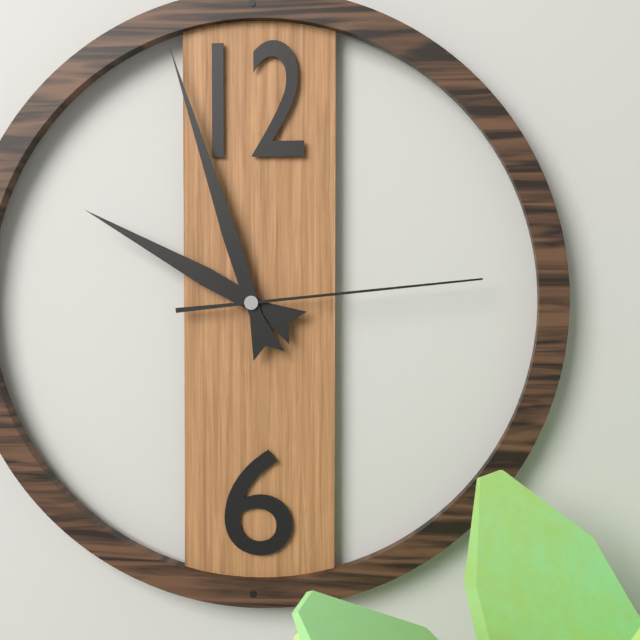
9:57:14
